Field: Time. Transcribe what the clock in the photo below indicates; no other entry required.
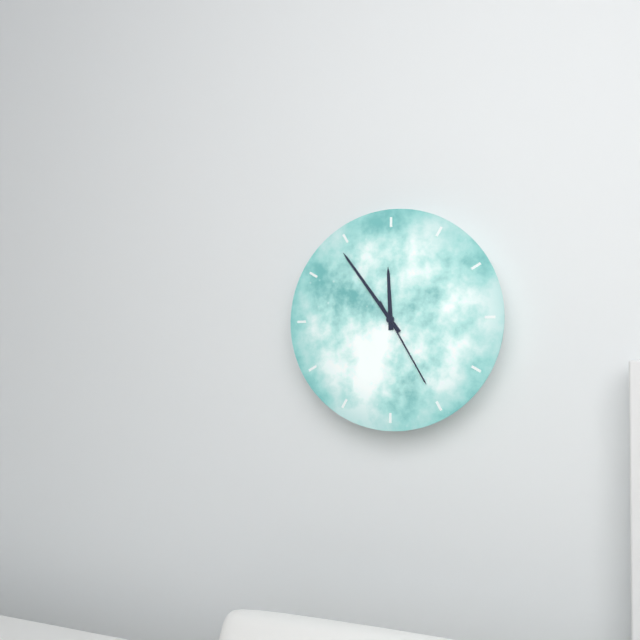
11:54:25
